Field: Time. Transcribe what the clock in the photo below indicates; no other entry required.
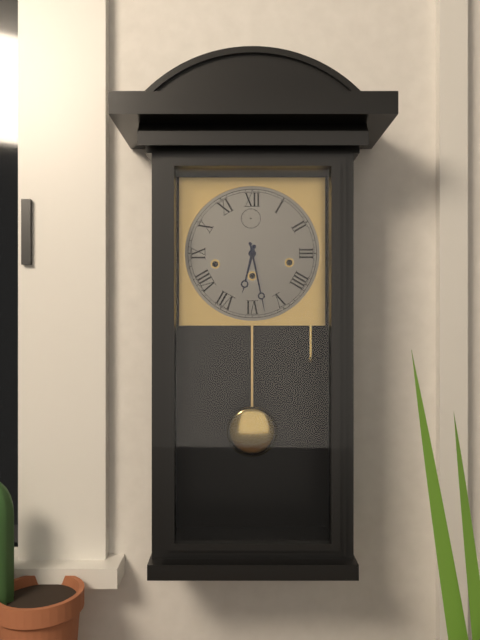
6:28
